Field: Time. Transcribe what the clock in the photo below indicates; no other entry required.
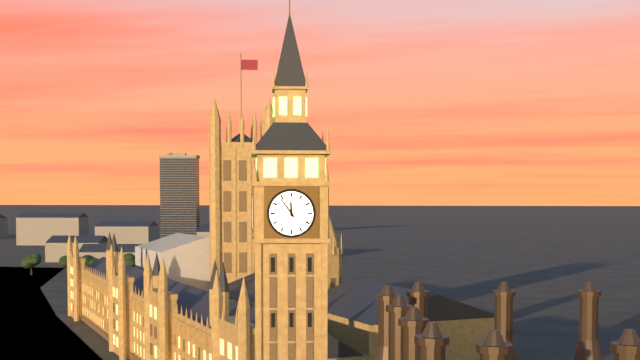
11:54
